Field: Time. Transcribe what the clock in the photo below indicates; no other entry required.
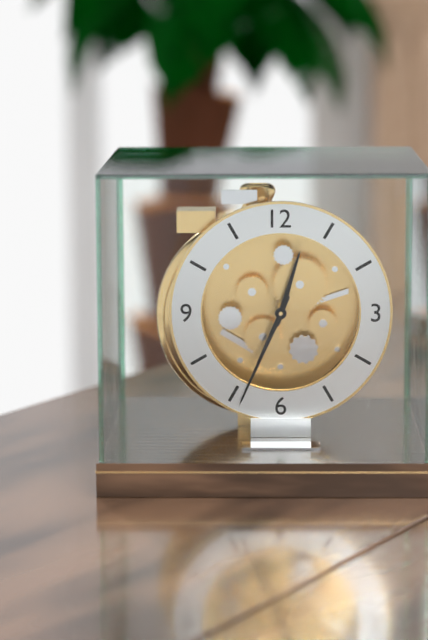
12:34
